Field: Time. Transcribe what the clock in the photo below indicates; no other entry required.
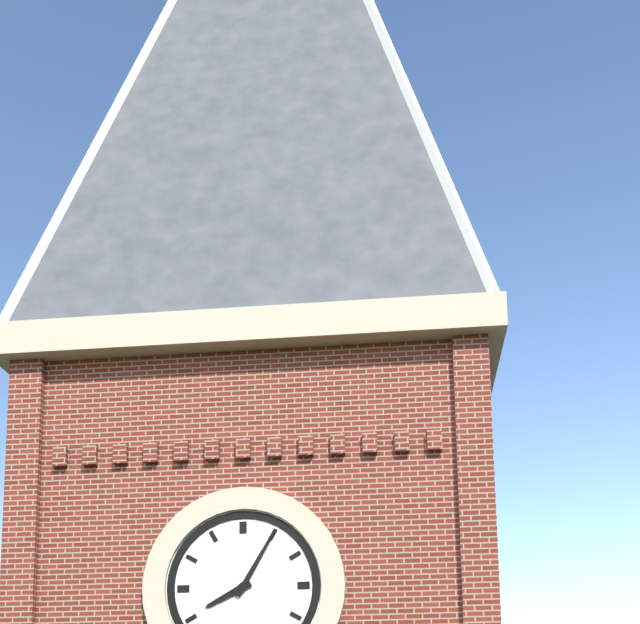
8:05
